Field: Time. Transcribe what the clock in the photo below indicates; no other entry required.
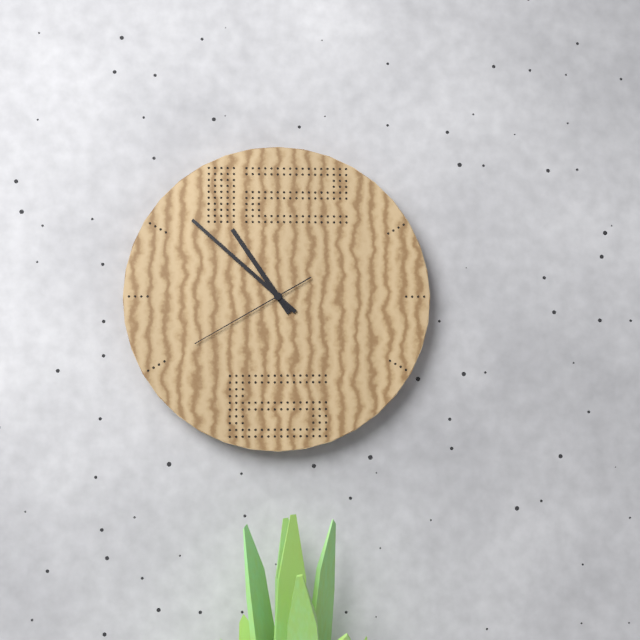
10:52:40
